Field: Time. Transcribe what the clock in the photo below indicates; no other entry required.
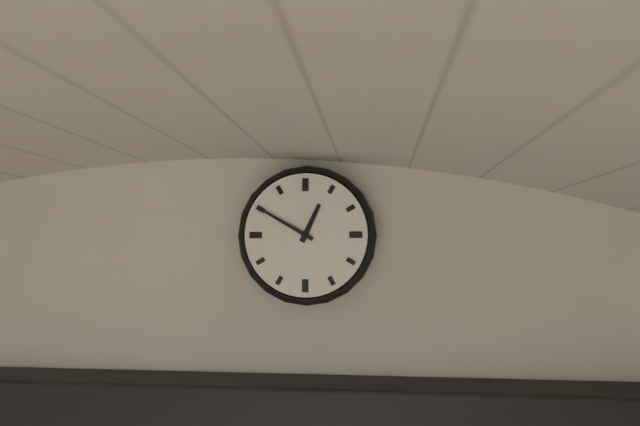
12:50
